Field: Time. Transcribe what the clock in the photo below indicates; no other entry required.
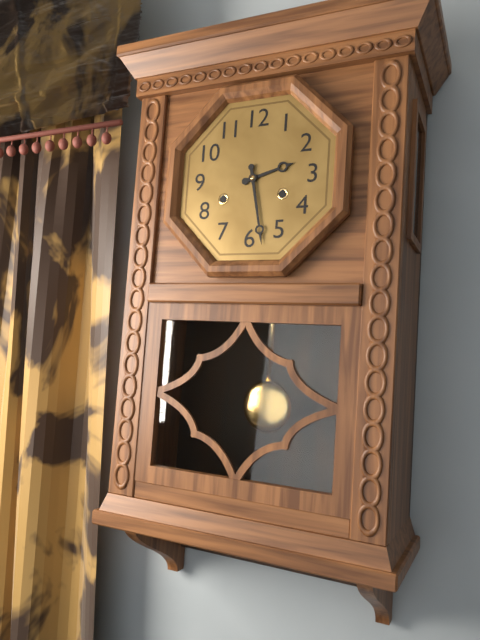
2:28
